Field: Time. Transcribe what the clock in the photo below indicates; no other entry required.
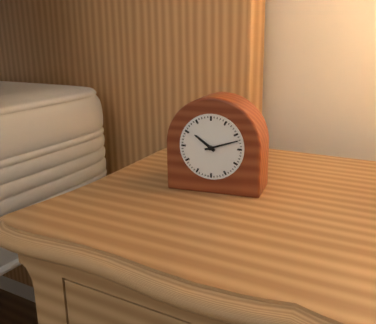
10:12
